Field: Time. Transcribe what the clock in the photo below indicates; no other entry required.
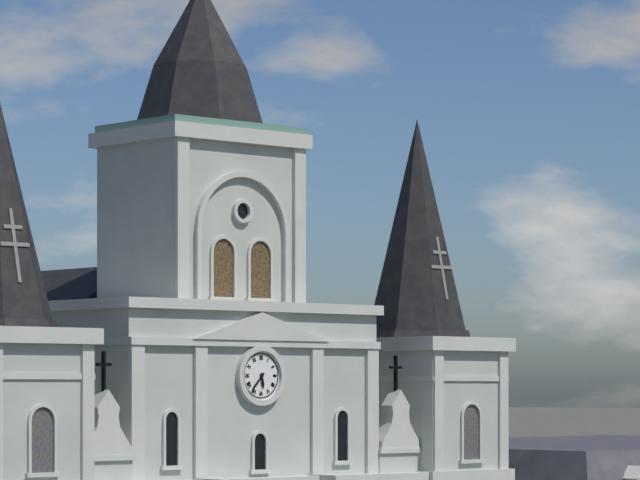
5:37
